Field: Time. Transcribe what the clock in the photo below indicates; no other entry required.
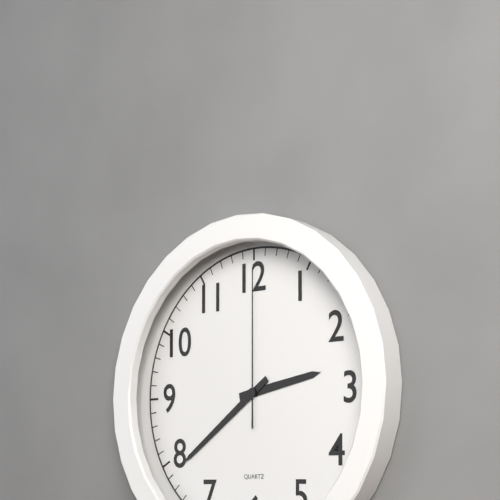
2:39:00
